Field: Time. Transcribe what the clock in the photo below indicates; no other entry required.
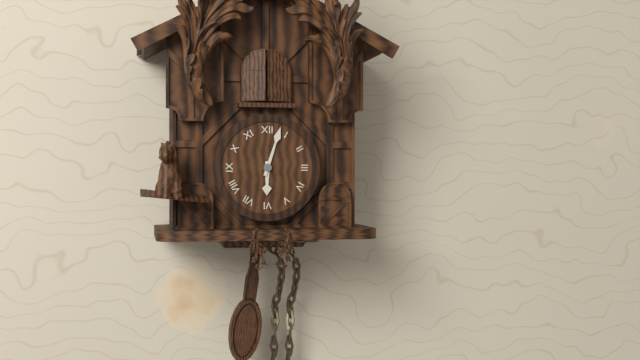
6:03
